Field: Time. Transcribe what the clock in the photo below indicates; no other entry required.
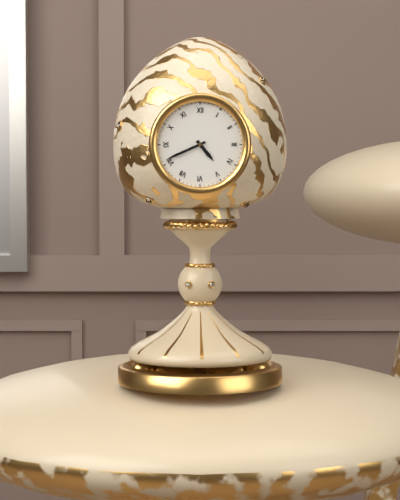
4:41
